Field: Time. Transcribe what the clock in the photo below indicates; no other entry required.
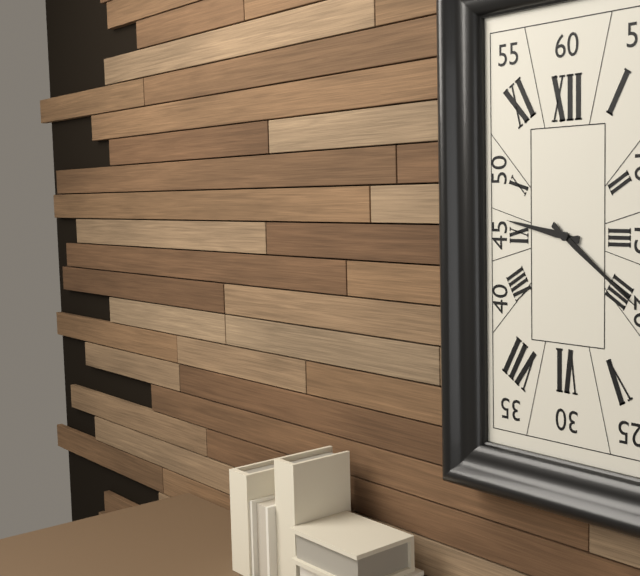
9:21
